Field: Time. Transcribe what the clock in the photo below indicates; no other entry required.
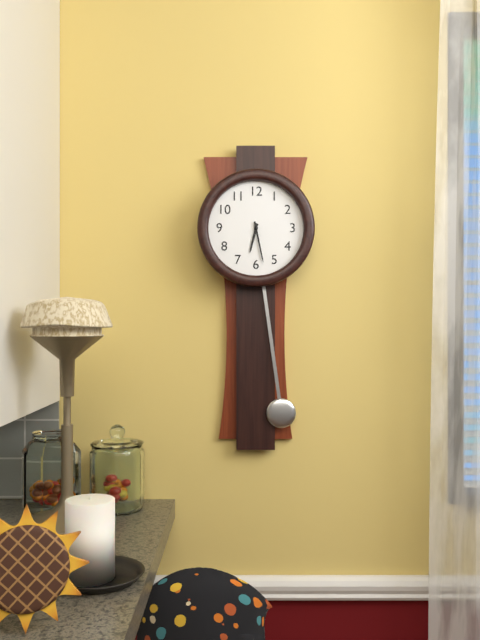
6:28
